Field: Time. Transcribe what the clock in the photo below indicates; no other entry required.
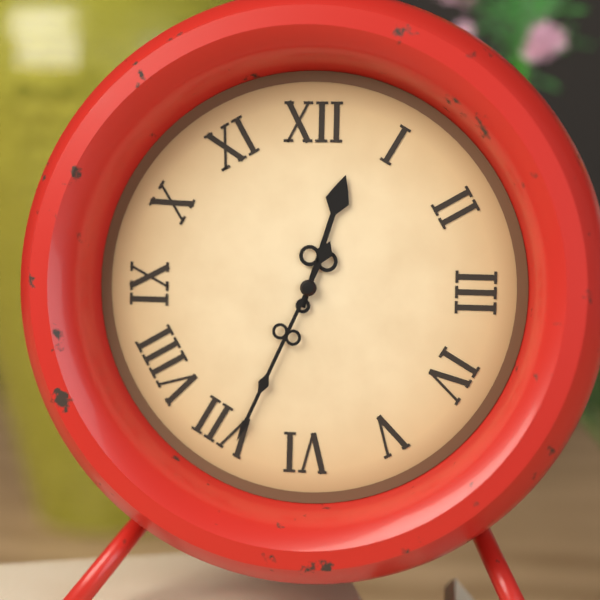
12:34
